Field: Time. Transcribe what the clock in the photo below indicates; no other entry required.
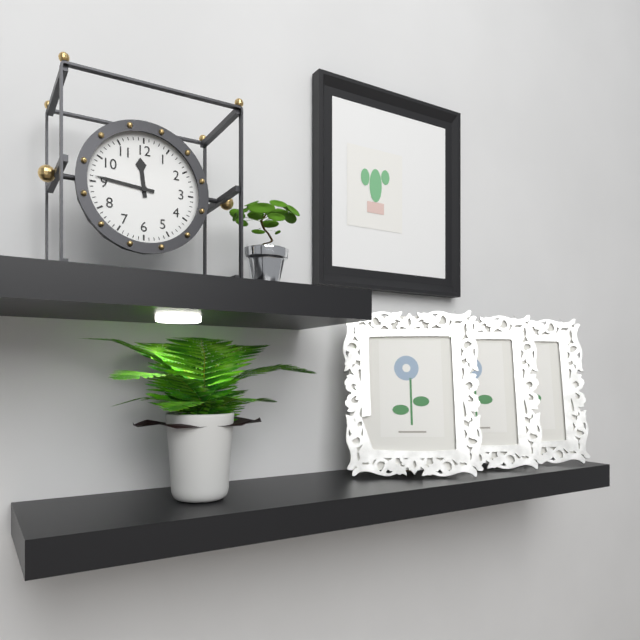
11:46
